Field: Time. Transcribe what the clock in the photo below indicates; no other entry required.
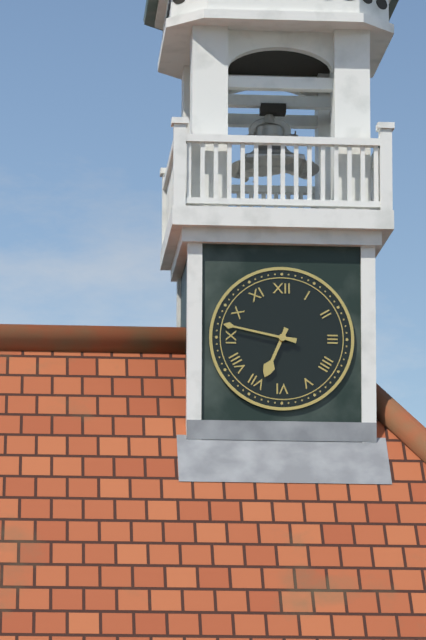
6:47
